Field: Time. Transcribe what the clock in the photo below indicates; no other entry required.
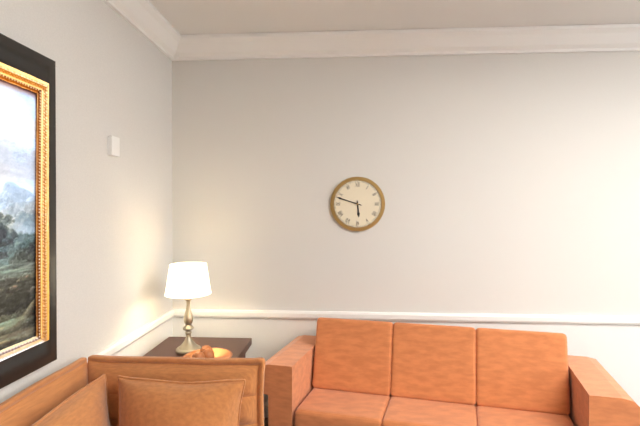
5:48
